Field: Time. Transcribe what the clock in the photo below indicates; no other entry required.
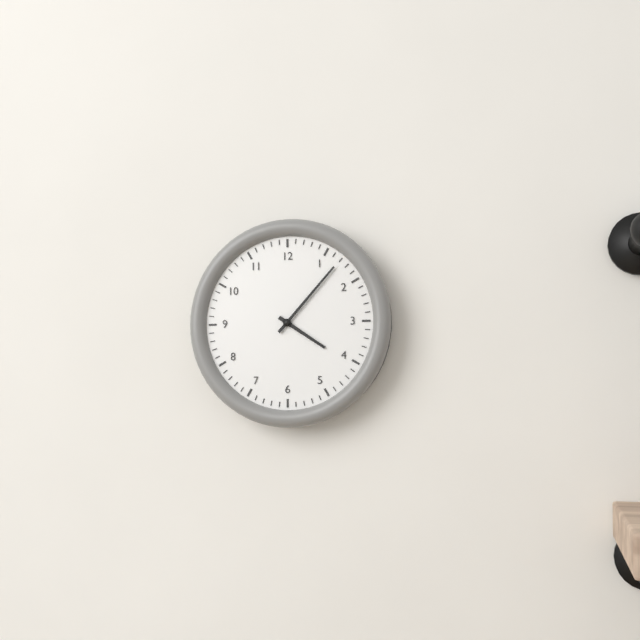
4:07
